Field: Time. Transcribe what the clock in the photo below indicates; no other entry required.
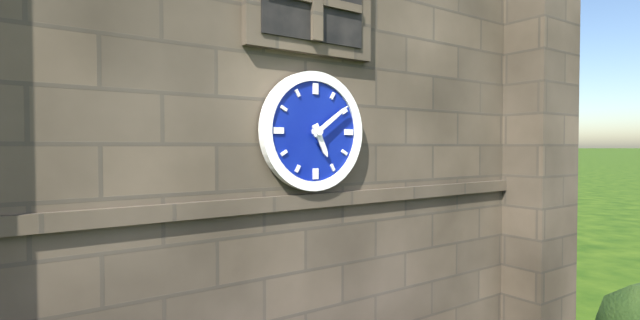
5:09
